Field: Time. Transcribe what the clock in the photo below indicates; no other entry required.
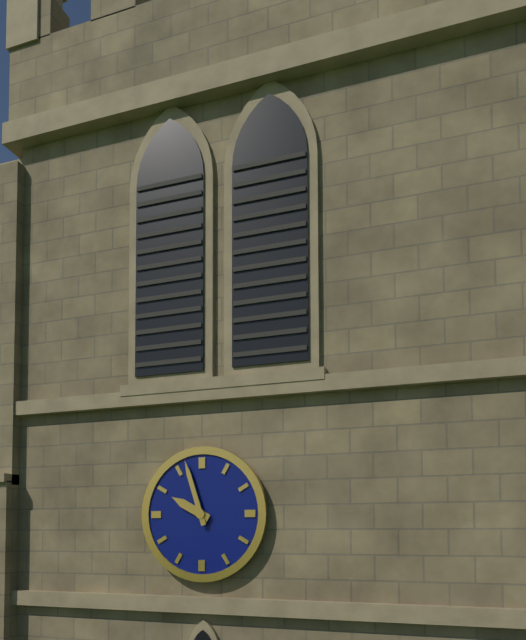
9:57
